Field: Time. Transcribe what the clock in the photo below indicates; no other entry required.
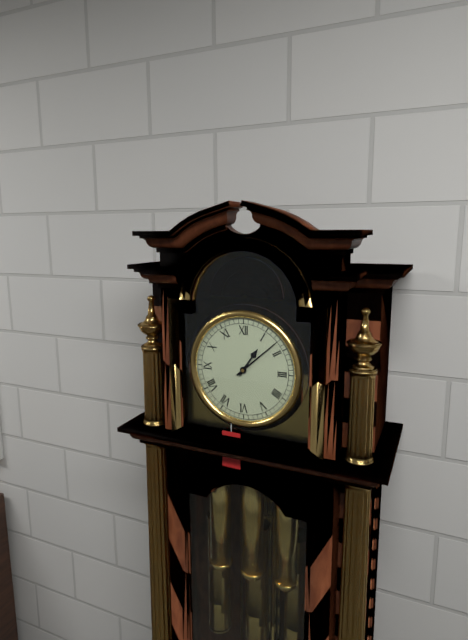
1:08
